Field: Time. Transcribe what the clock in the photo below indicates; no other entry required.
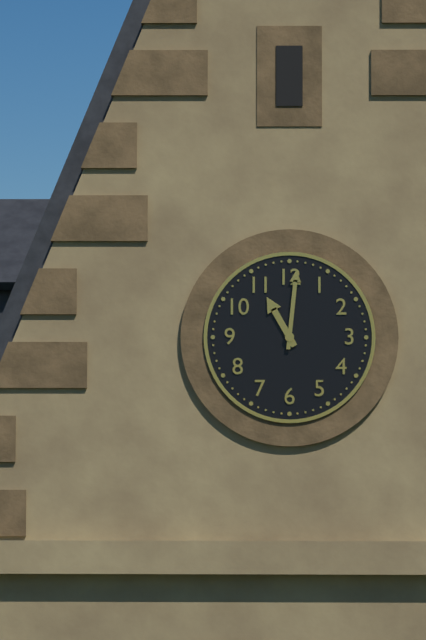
11:01
